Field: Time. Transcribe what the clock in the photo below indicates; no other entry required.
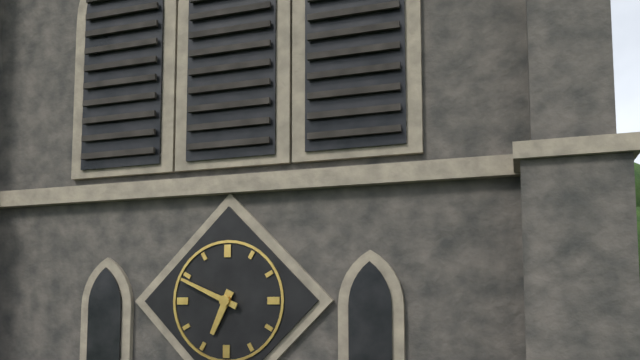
6:49
